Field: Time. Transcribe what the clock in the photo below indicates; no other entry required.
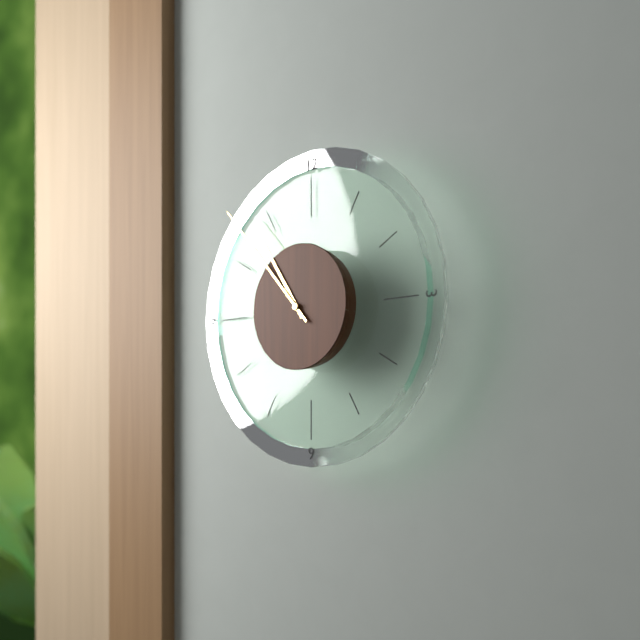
10:53
